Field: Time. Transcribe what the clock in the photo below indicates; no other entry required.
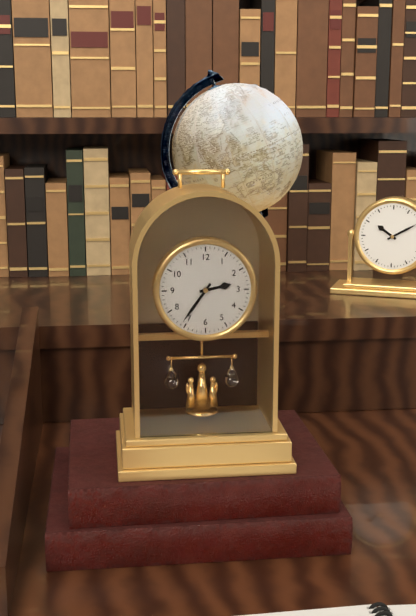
2:36
